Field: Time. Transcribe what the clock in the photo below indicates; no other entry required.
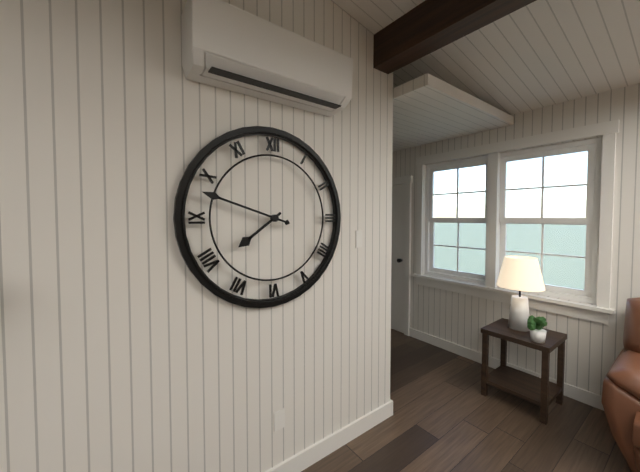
7:48
